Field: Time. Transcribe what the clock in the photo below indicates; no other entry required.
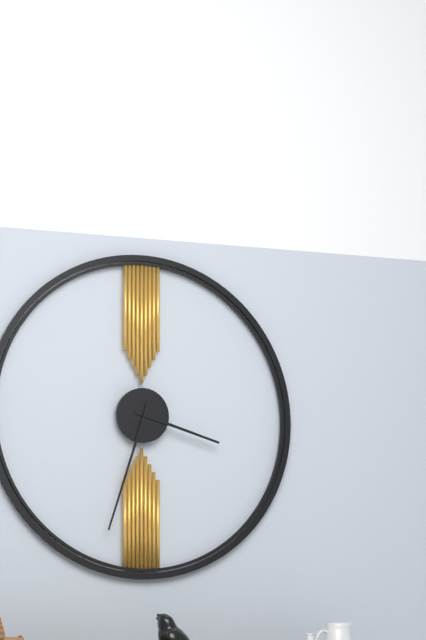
3:33
